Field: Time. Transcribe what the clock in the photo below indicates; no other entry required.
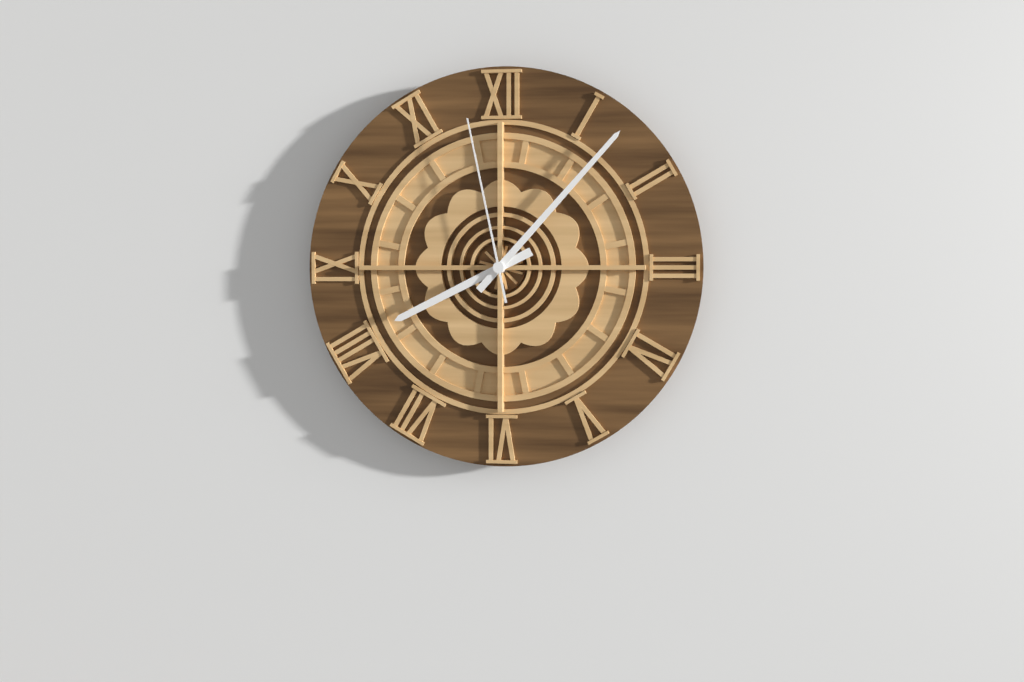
8:07:58
